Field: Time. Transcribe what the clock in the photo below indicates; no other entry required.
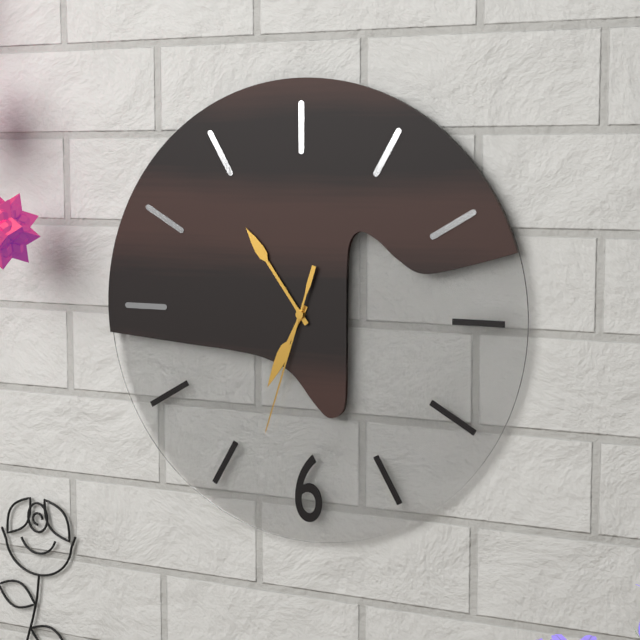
6:54:33
